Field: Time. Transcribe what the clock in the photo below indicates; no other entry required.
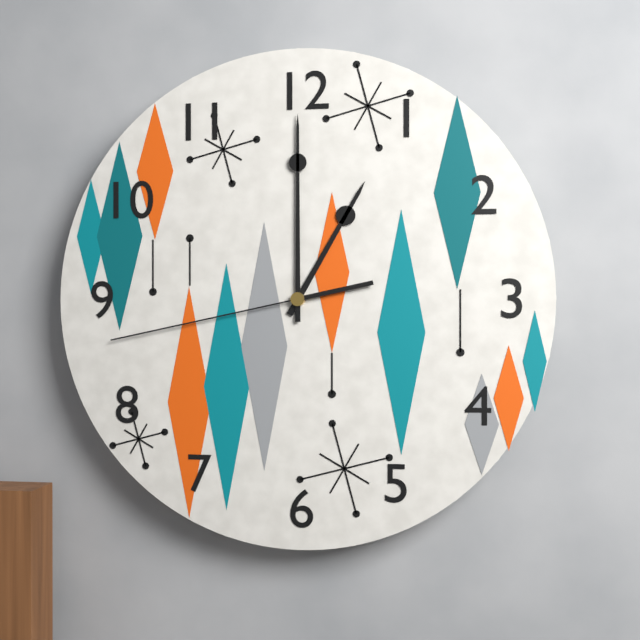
1:00:43
